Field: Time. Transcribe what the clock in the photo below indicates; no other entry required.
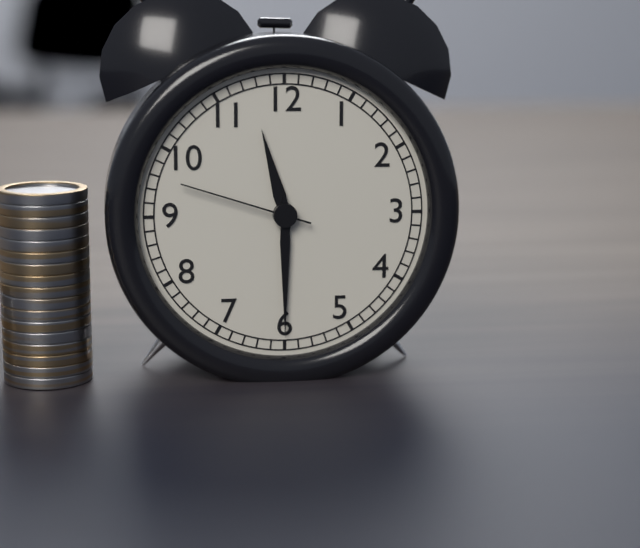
11:30:48
